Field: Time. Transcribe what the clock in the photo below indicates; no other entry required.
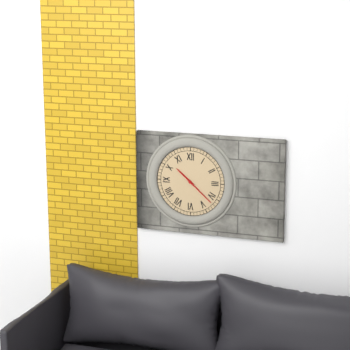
10:22
